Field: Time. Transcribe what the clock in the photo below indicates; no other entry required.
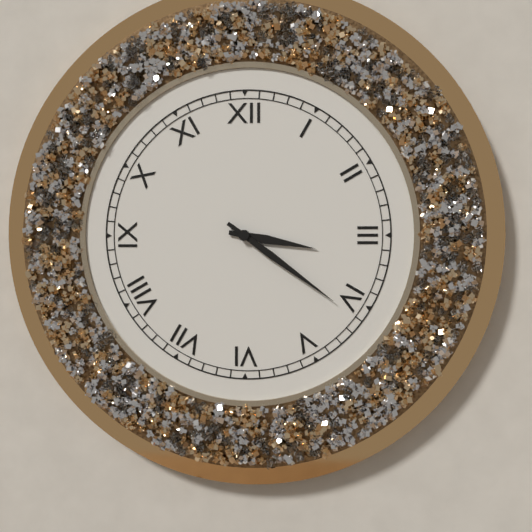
3:21
